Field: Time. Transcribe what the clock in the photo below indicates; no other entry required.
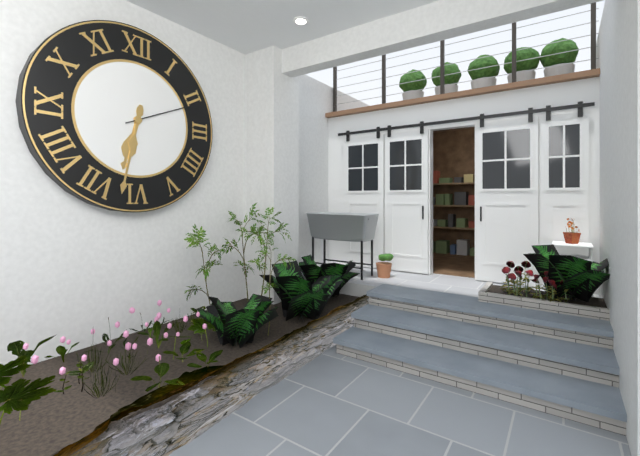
6:32:11
